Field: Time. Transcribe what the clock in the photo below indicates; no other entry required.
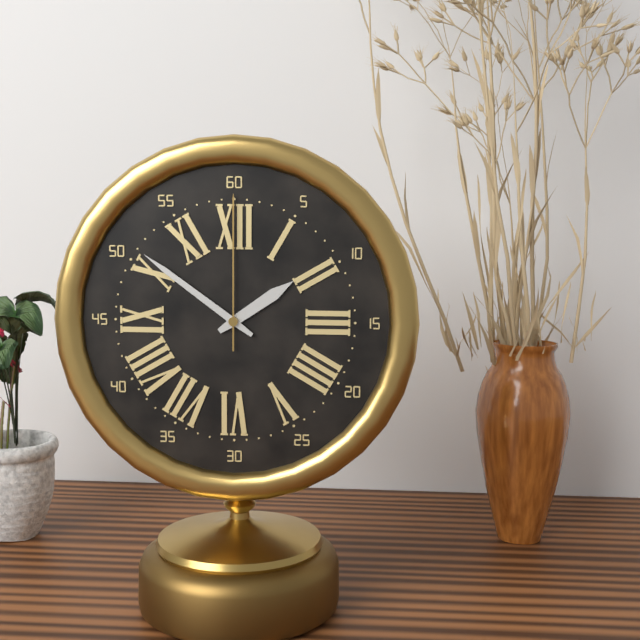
1:51:00
